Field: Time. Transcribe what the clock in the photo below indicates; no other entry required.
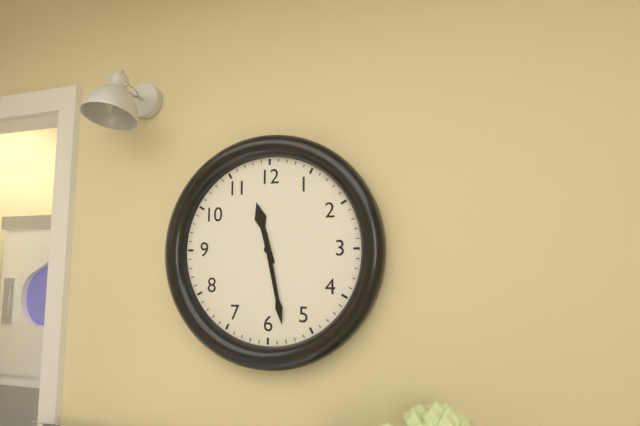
11:28
